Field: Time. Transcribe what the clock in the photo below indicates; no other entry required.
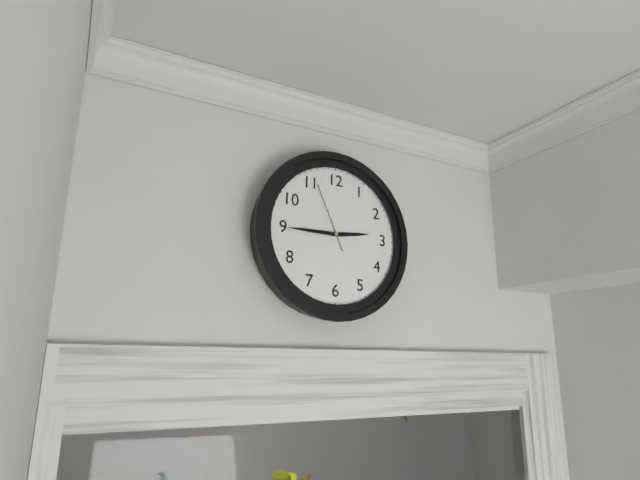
2:45:56
